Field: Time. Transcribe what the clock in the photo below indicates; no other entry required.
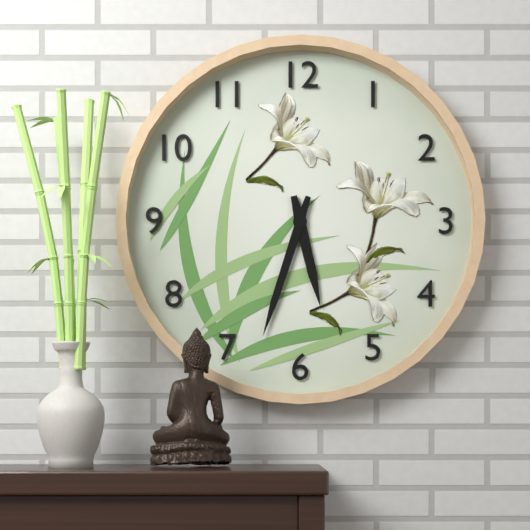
5:33
